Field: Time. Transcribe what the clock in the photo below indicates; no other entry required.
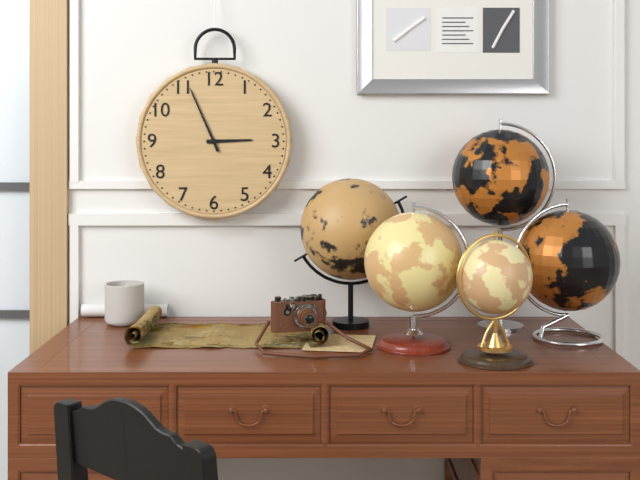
2:56
